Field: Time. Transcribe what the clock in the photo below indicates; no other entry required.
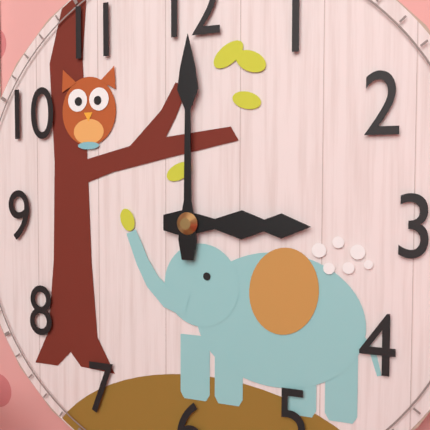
3:00
